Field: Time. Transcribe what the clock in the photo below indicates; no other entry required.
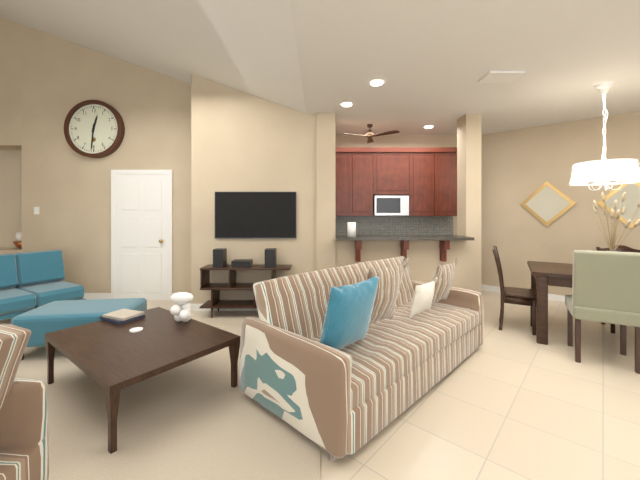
12:31
